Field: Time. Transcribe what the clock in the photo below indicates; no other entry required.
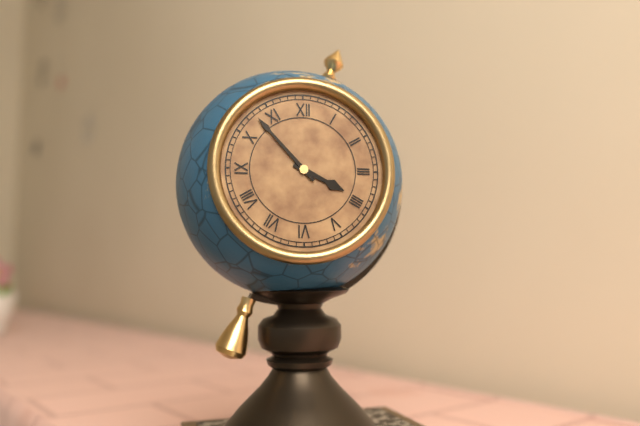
3:53
